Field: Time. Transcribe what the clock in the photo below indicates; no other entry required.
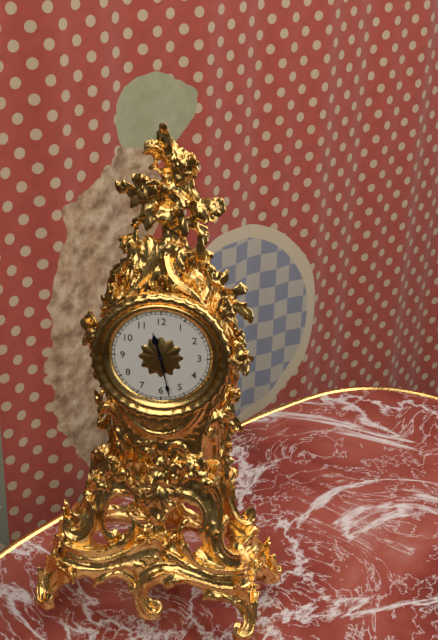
11:28
